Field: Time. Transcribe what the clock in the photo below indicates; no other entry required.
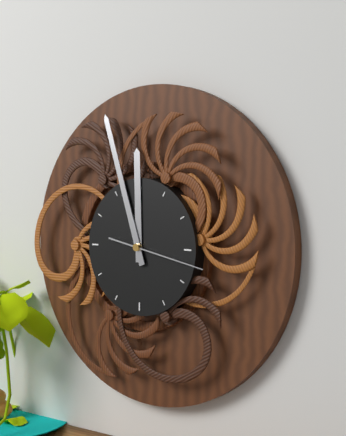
11:57:17
